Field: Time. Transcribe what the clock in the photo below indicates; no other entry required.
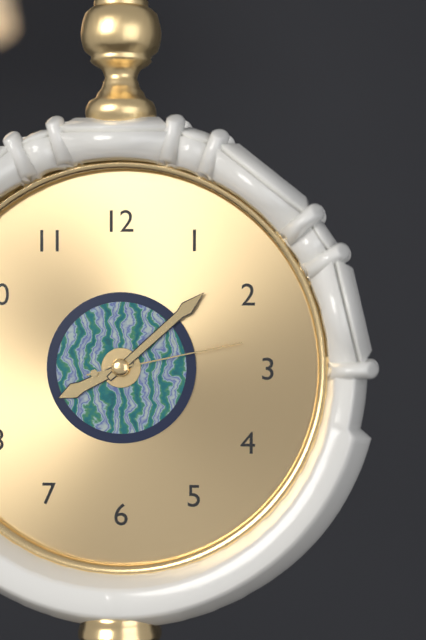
8:08:13
